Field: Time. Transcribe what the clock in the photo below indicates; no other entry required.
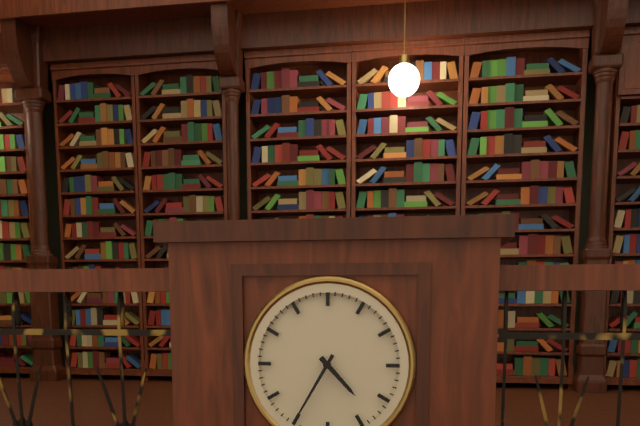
4:35
